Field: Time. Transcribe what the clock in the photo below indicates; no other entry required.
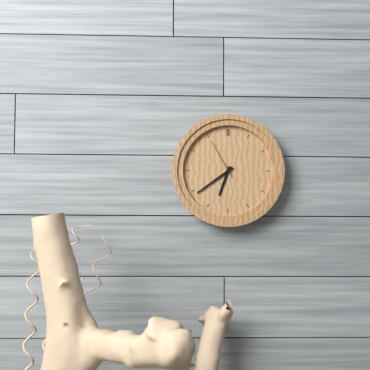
6:39
